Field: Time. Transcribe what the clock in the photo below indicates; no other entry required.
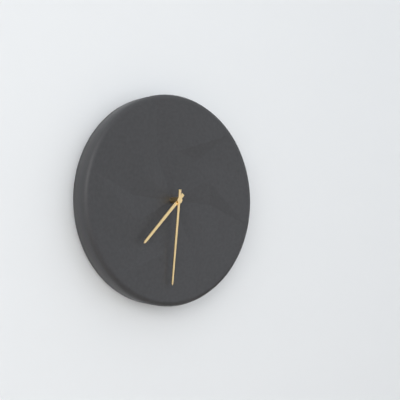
7:31
